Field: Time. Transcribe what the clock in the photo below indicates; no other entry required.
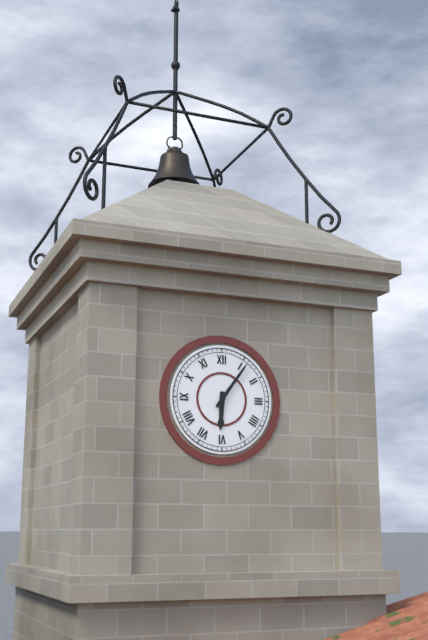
6:06
